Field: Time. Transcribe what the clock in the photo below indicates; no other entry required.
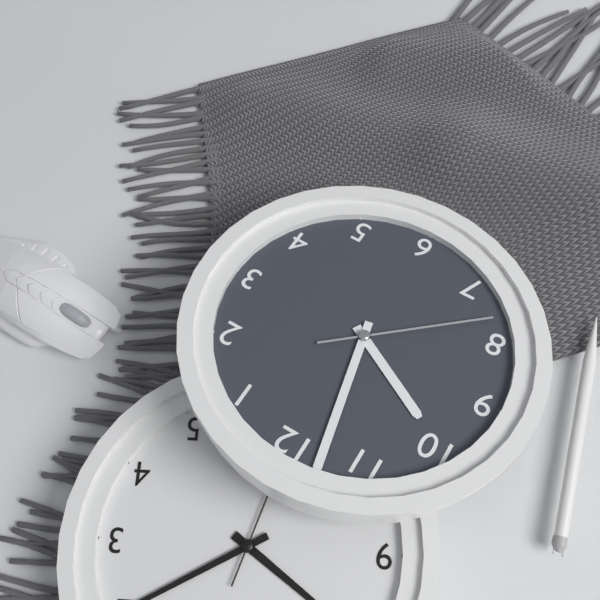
9:58:38
